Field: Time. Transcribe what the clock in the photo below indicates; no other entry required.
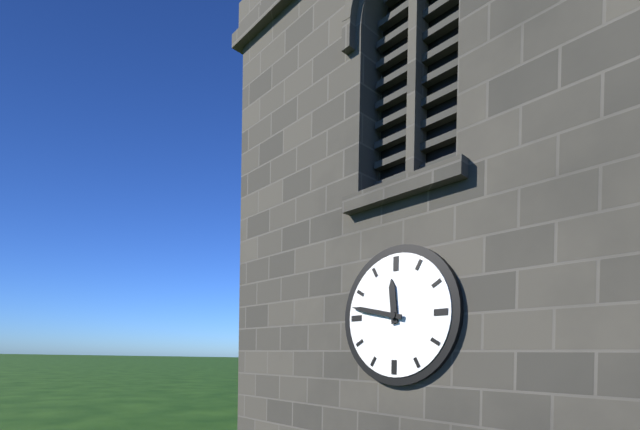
11:47
